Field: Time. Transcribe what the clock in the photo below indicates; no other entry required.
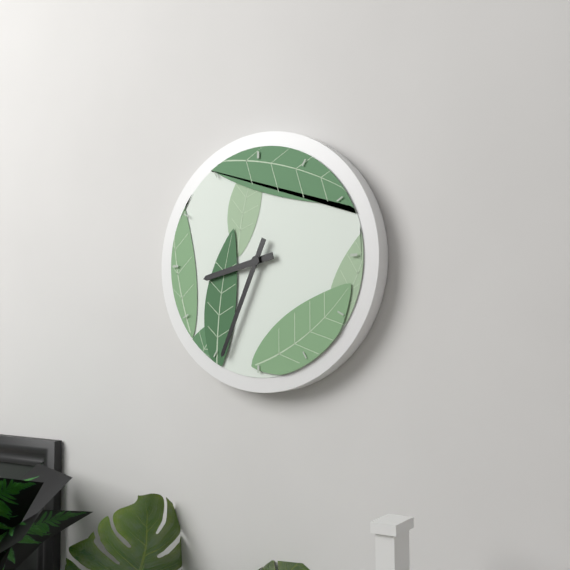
8:34
